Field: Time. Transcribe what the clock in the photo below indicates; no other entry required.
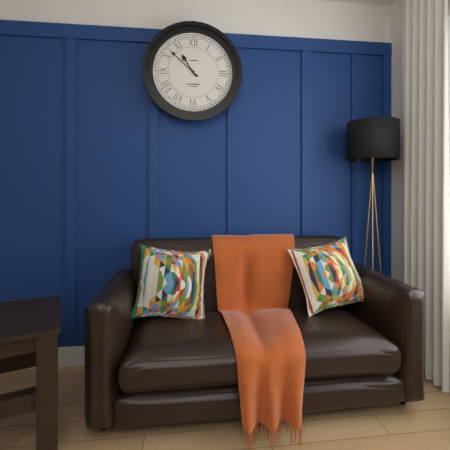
10:52
